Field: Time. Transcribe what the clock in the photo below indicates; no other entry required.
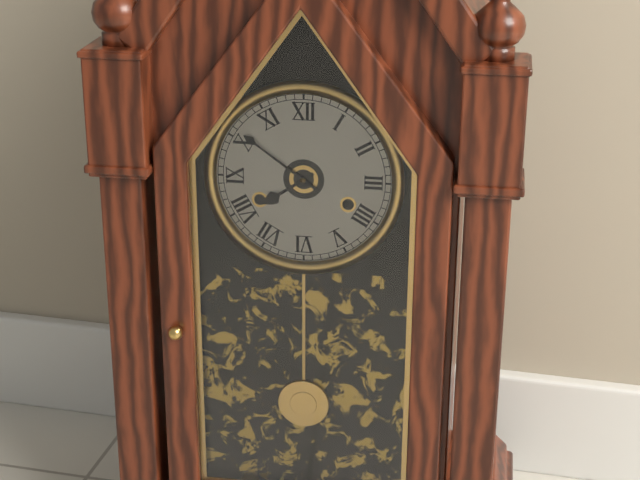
7:51
